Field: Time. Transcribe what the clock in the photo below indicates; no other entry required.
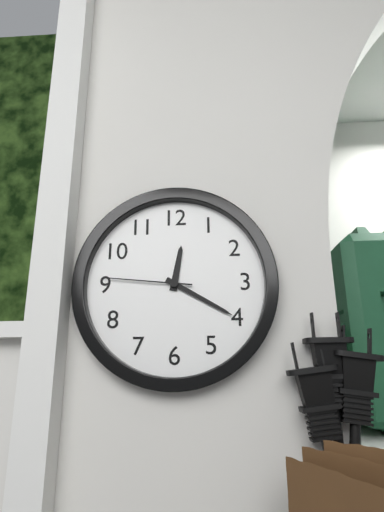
12:20:46
